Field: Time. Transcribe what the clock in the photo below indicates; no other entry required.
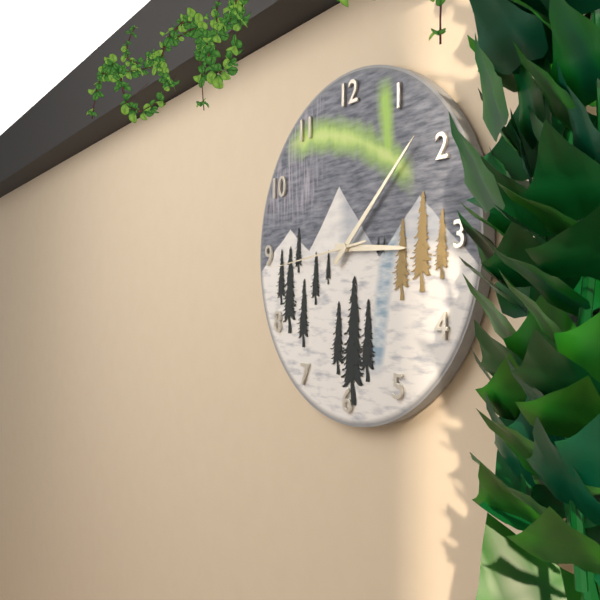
3:08:44
